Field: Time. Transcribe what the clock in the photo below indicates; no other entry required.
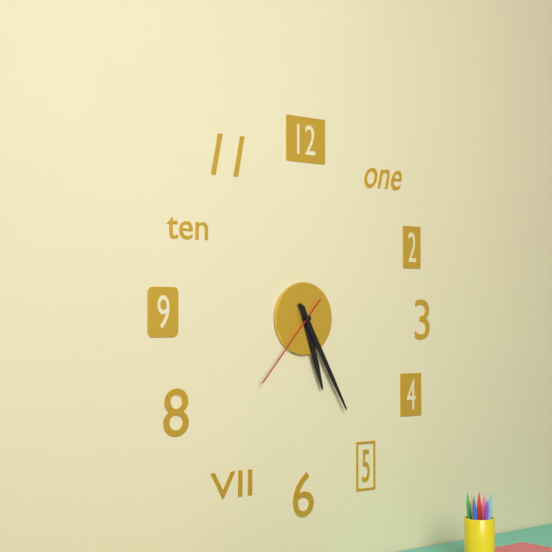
5:25:37
